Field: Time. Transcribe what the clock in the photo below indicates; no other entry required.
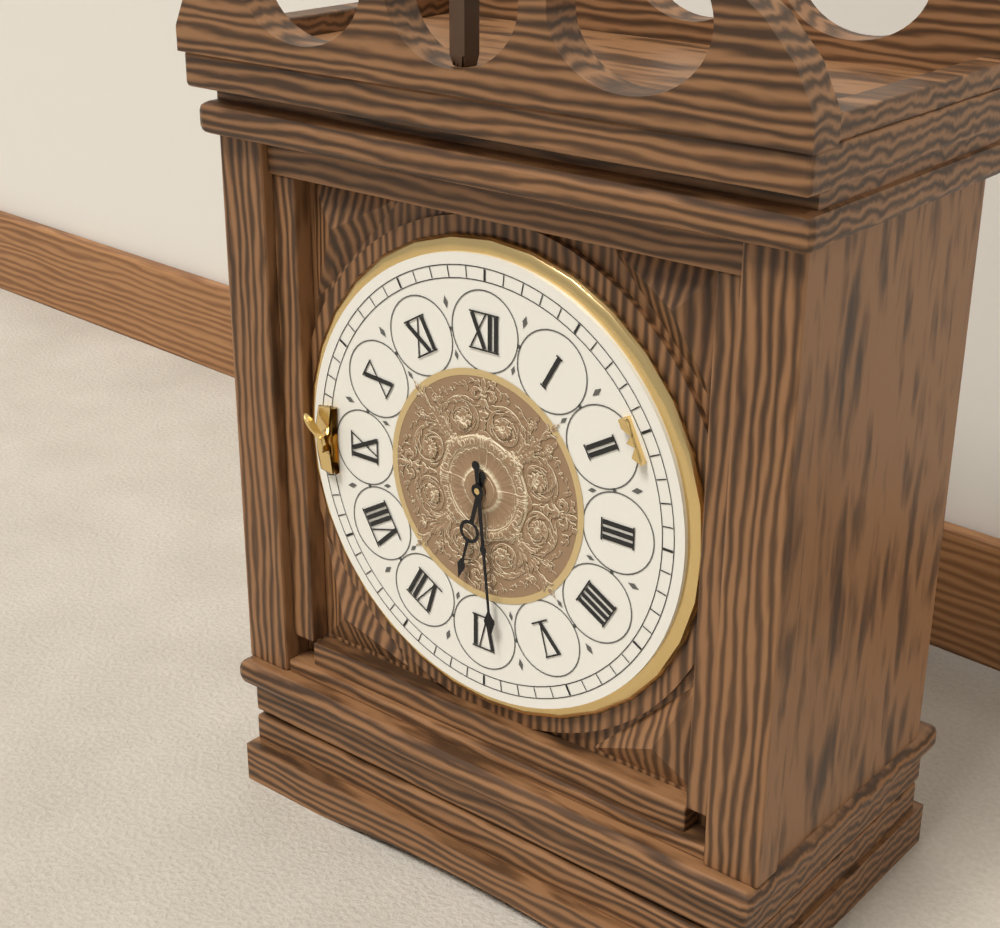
6:29
